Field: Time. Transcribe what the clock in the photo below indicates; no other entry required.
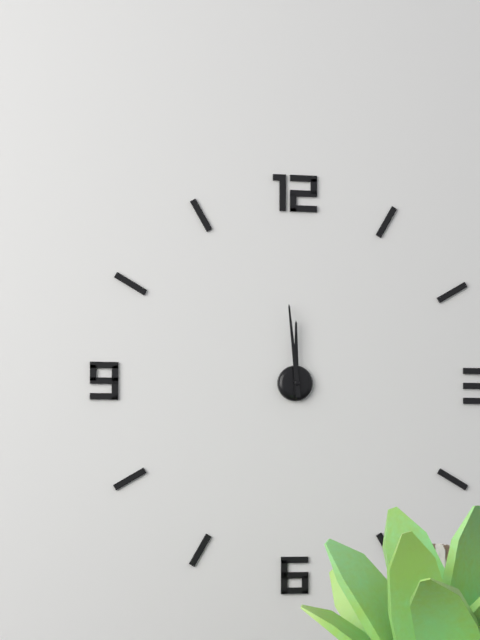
11:59
